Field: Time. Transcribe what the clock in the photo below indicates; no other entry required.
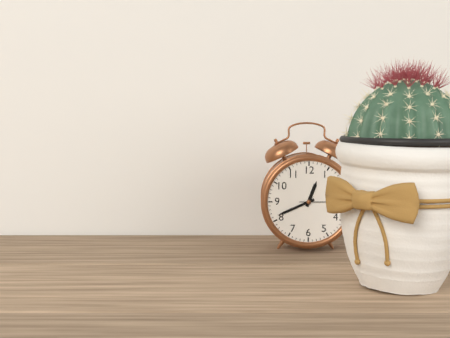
12:41
